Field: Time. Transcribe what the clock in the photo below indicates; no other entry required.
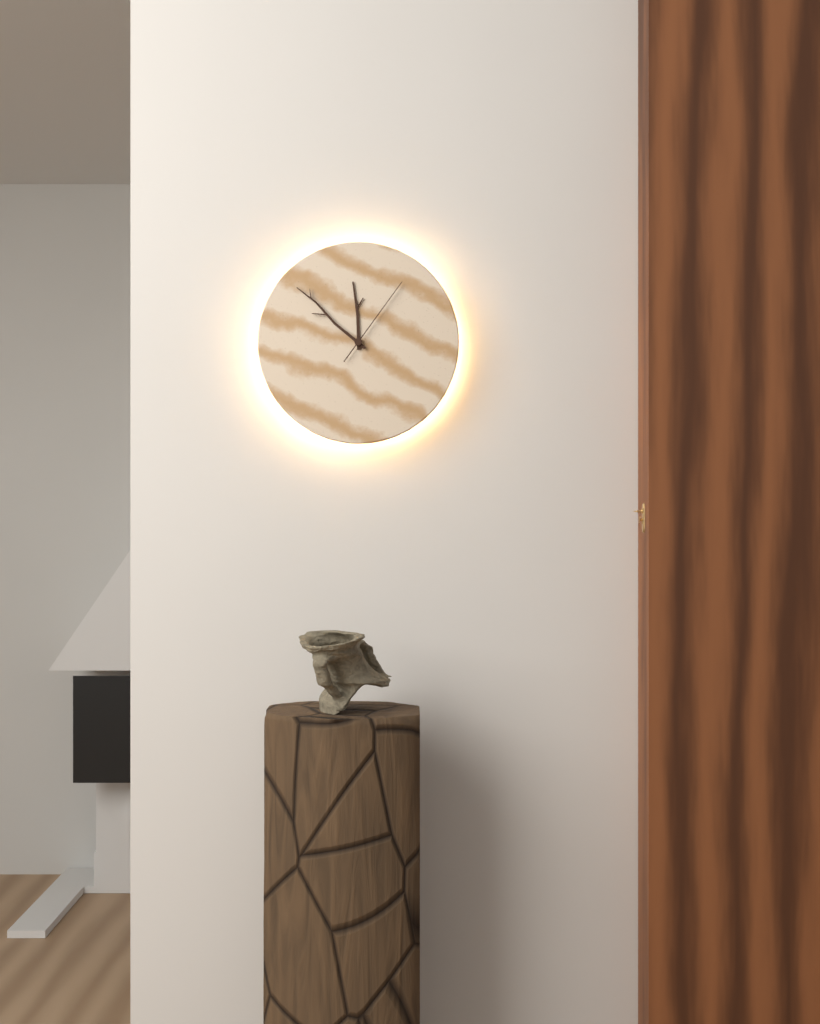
11:52:06
